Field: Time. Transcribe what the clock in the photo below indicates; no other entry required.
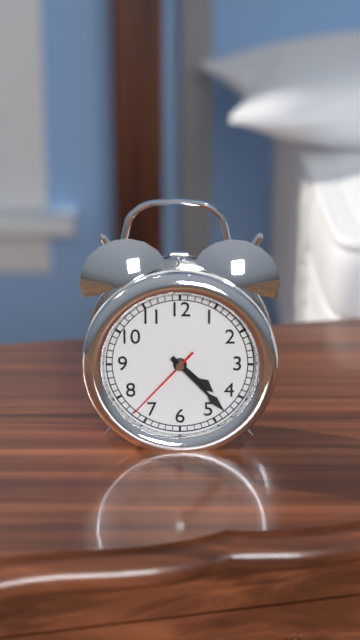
4:23:37
